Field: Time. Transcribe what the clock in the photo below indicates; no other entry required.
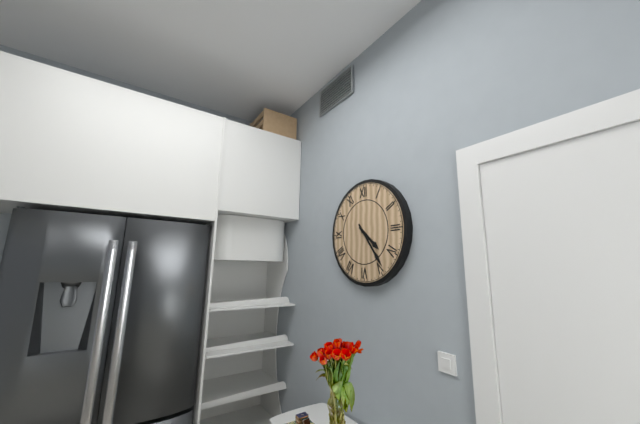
4:24
